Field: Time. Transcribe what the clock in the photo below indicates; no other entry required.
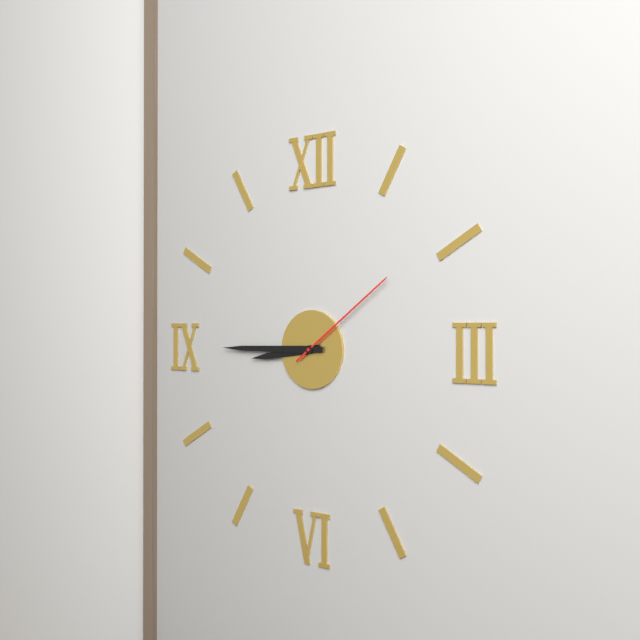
8:45:09
